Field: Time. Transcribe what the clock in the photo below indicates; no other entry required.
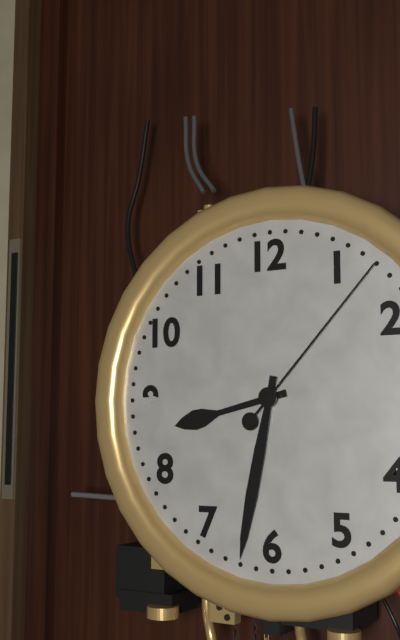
8:32:07
